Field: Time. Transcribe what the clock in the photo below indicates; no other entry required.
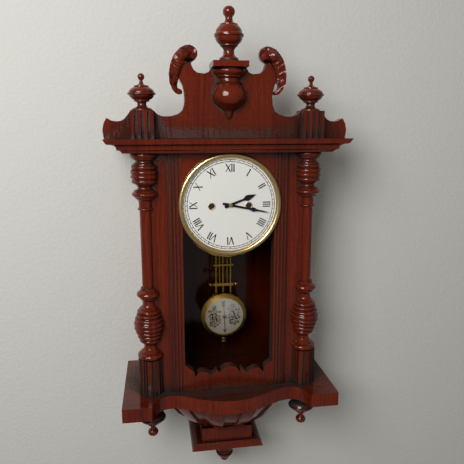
2:17
